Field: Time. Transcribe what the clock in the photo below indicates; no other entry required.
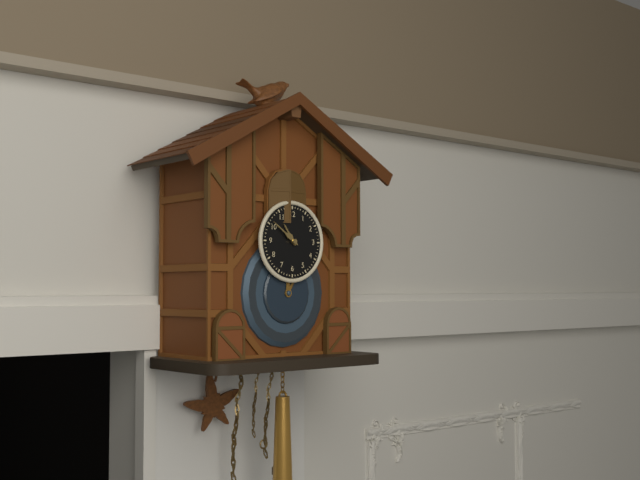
10:51
